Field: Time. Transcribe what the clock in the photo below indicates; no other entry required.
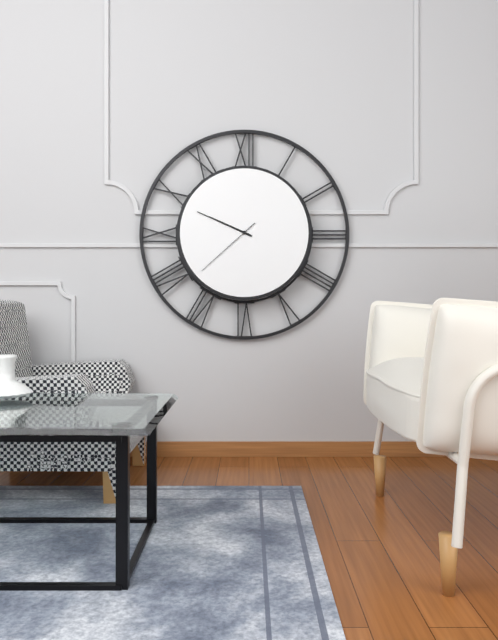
9:49:38
